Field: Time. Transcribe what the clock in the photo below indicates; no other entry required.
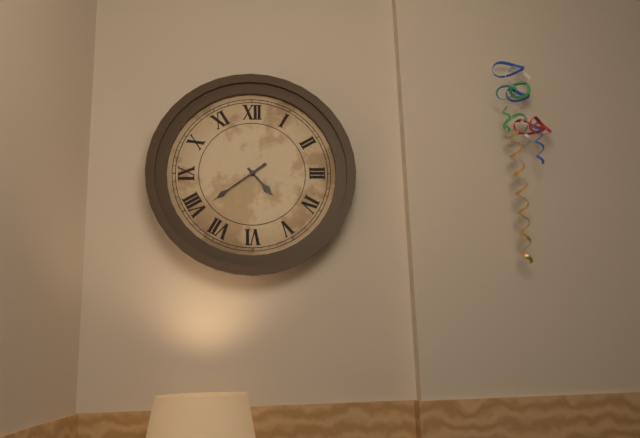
4:39
